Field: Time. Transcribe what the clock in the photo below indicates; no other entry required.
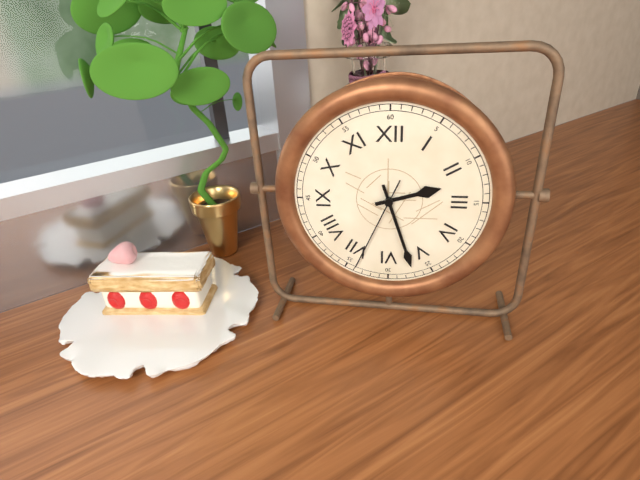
2:27:34
